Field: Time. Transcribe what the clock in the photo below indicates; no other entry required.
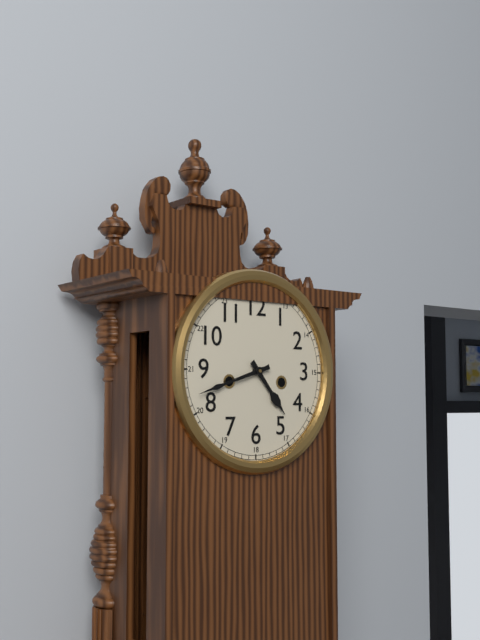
4:42
